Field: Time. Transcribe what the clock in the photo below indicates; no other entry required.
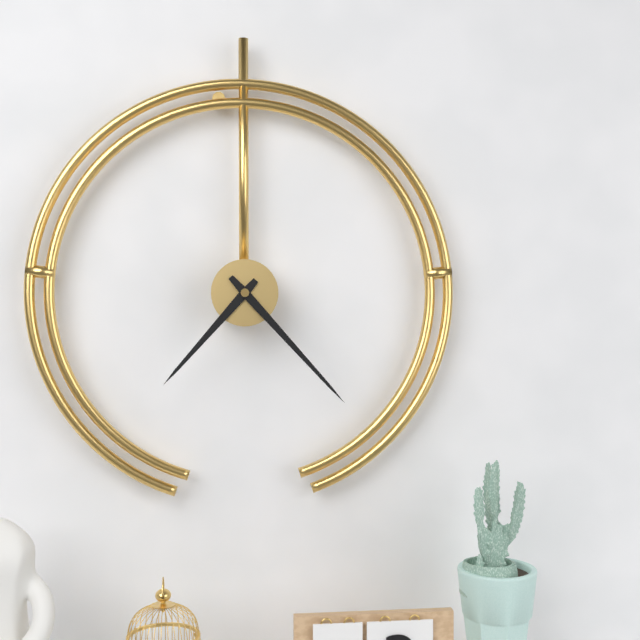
7:23
